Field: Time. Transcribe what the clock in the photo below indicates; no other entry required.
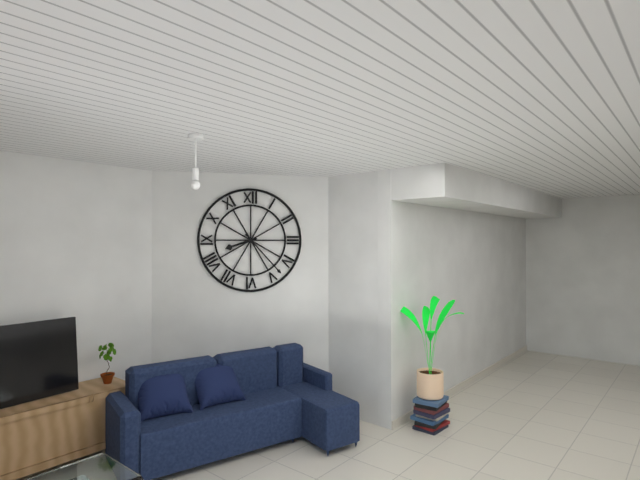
8:23
